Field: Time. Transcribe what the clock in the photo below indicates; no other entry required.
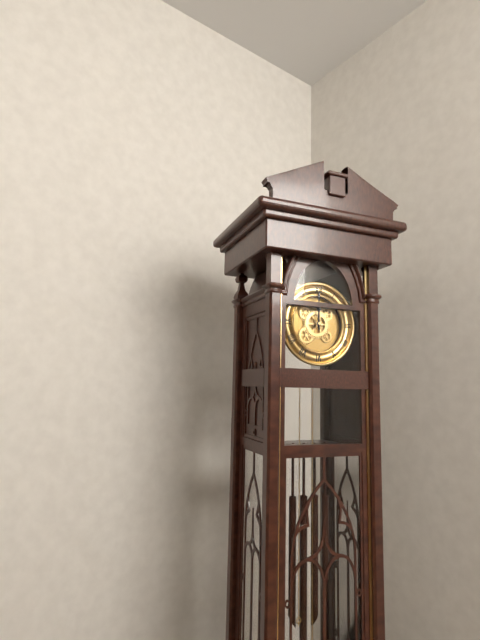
12:00
